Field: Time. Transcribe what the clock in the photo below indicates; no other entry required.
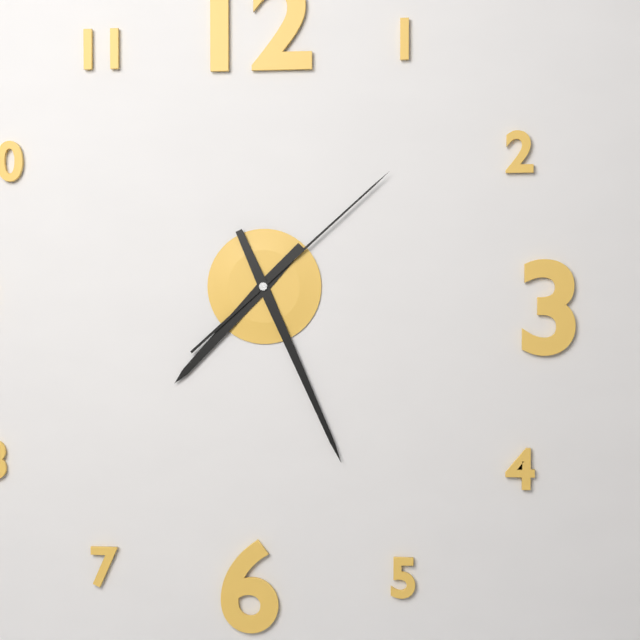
7:26:08
